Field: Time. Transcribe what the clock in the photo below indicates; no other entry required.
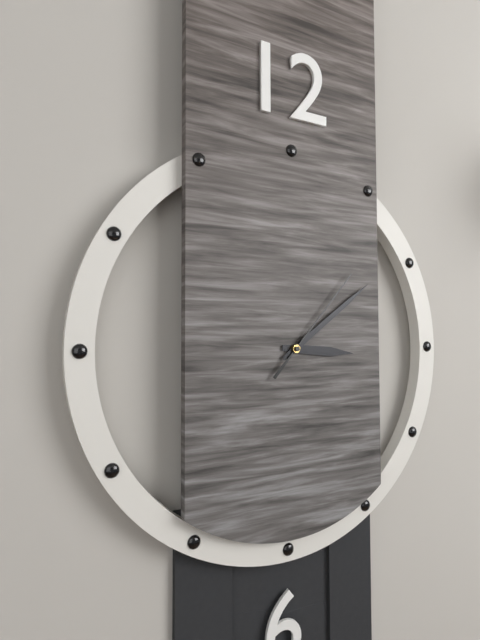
3:09:07
